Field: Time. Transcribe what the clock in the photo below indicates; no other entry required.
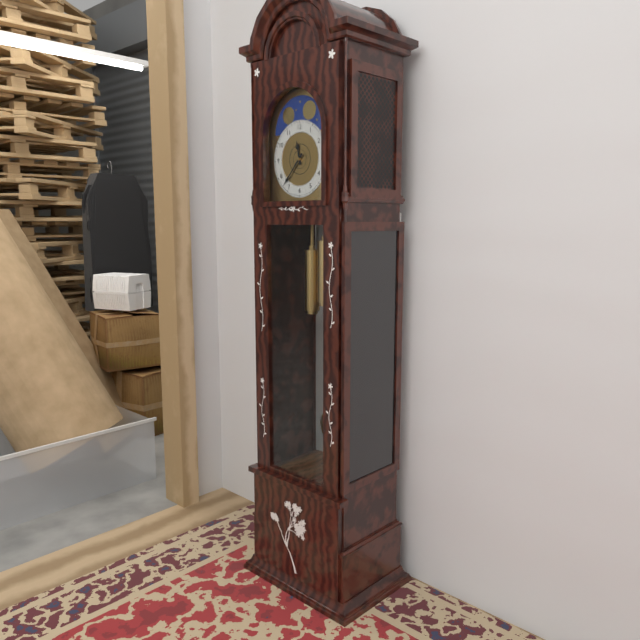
11:37
